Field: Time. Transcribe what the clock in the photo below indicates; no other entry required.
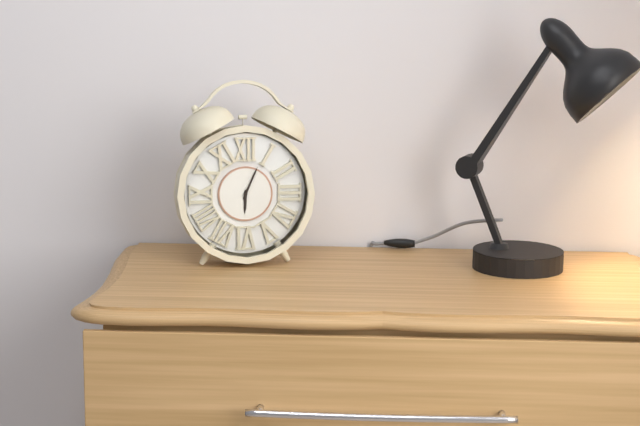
6:04
